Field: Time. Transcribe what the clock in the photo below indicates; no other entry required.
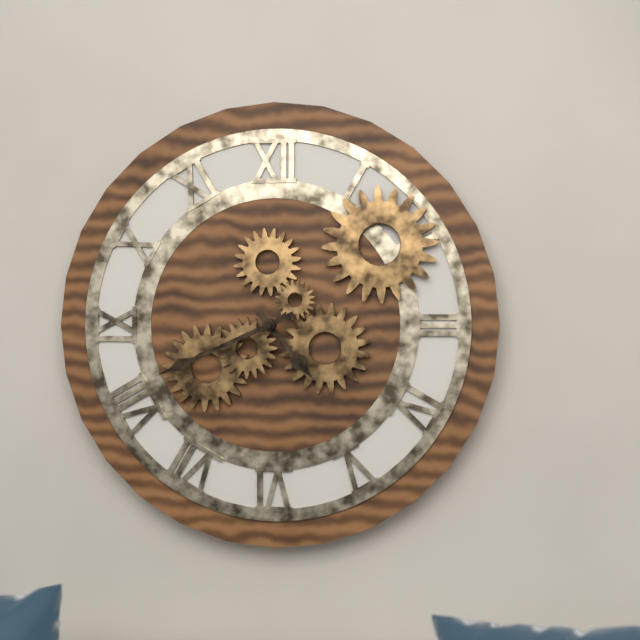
4:41
